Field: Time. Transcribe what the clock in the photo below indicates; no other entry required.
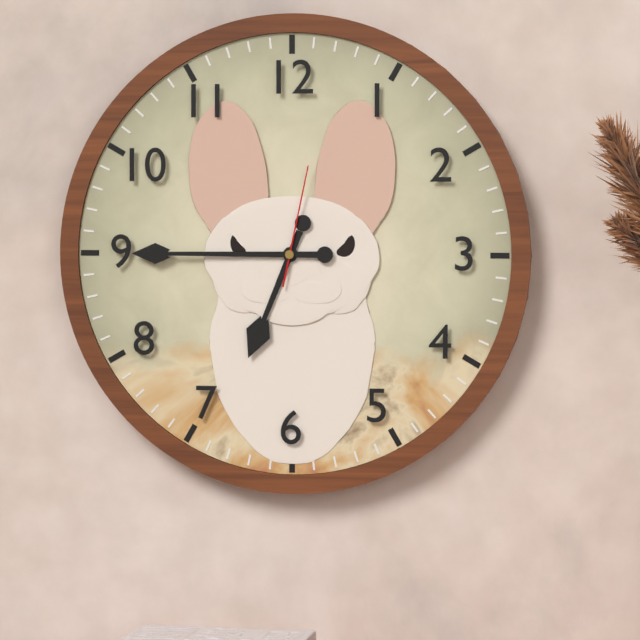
6:45:02
